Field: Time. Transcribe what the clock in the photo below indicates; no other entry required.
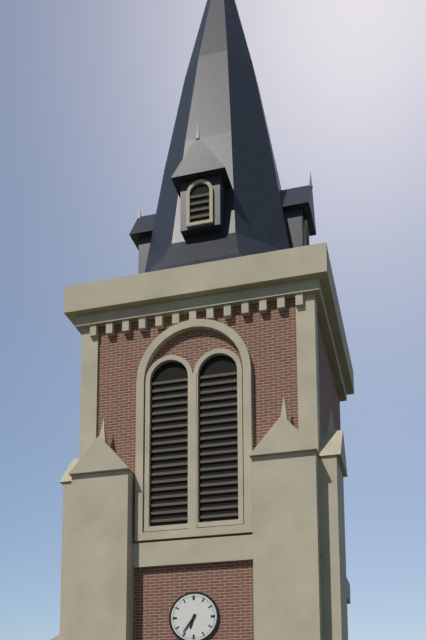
6:36
